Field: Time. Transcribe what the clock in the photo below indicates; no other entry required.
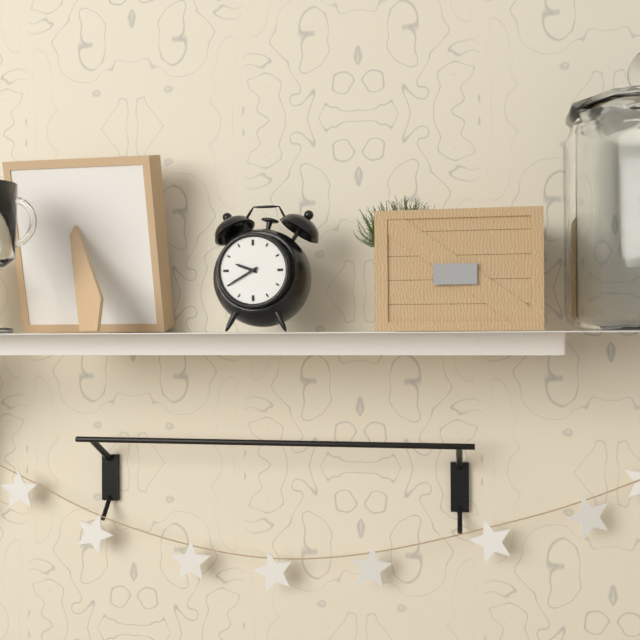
9:40
